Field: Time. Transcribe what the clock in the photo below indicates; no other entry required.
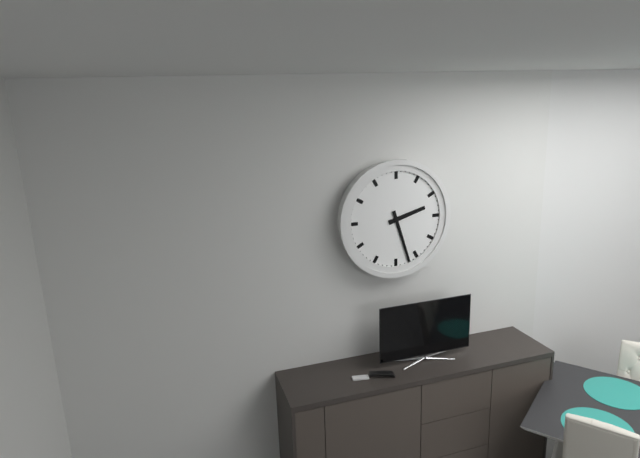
2:27
